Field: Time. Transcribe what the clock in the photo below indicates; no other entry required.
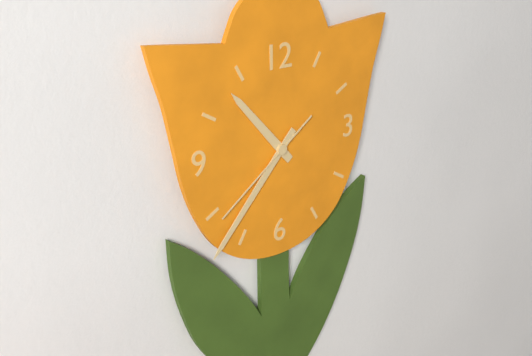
10:37:39
